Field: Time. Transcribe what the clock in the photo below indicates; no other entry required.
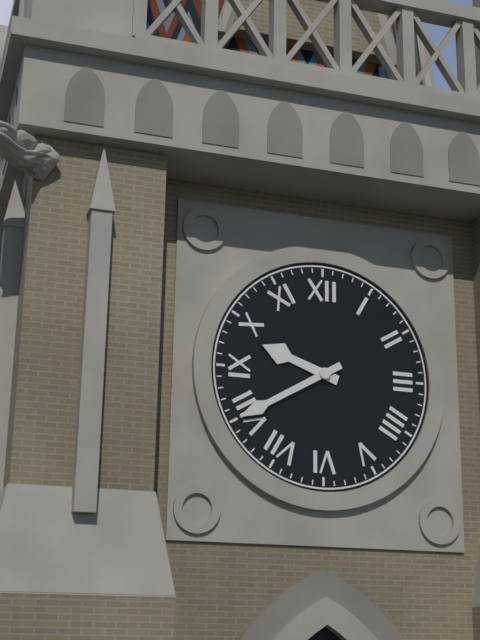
9:40
